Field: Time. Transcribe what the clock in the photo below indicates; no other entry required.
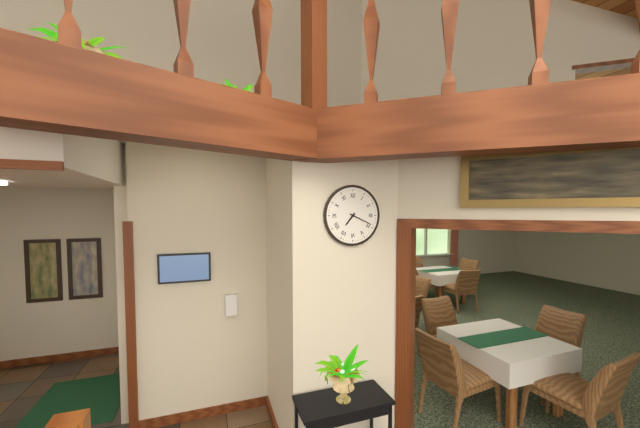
7:19
